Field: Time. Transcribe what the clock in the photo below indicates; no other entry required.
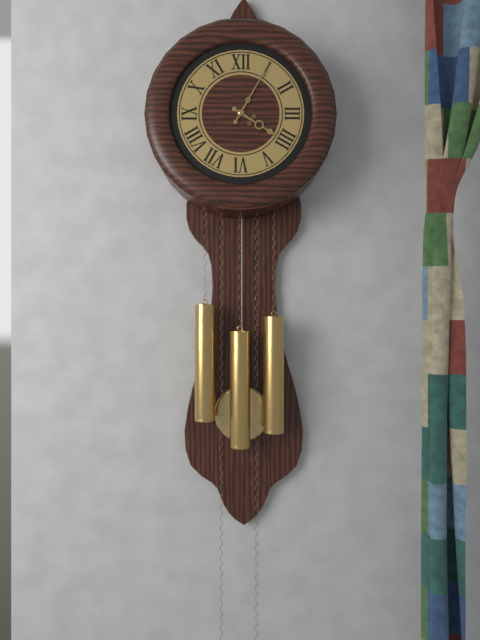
4:05
